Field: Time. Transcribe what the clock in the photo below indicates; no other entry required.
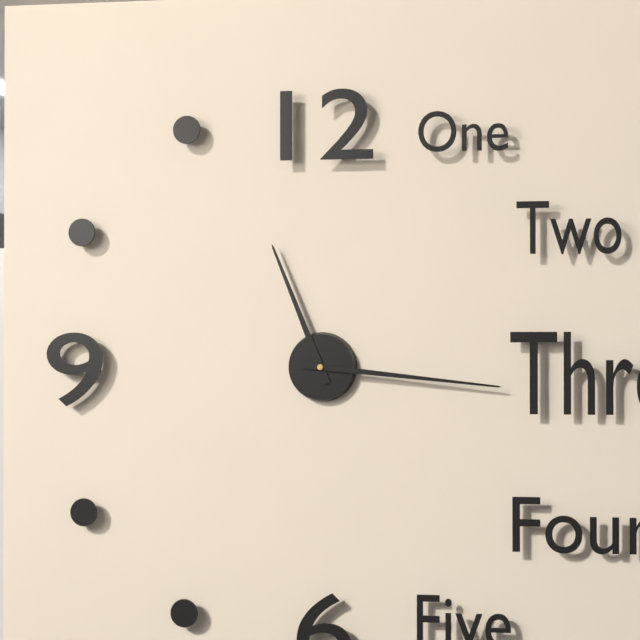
11:16
